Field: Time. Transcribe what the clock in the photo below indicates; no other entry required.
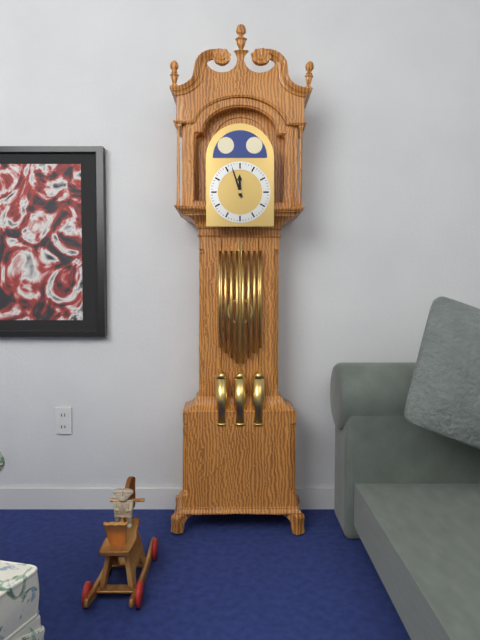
11:57
